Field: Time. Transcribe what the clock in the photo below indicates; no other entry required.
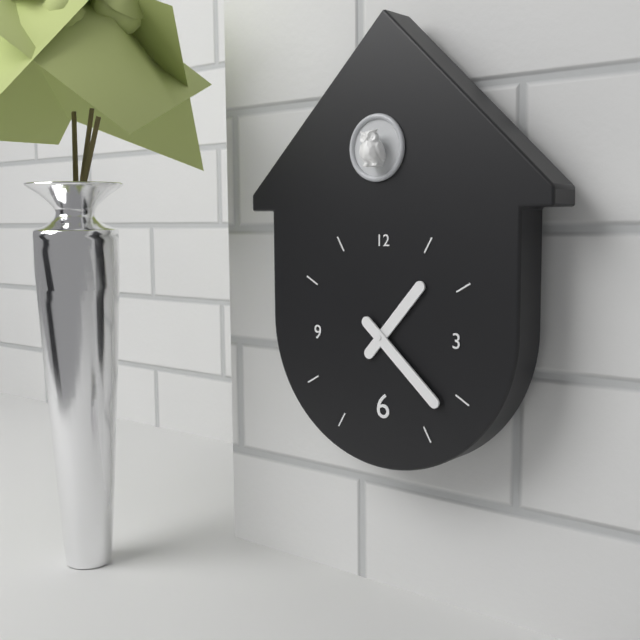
1:22
